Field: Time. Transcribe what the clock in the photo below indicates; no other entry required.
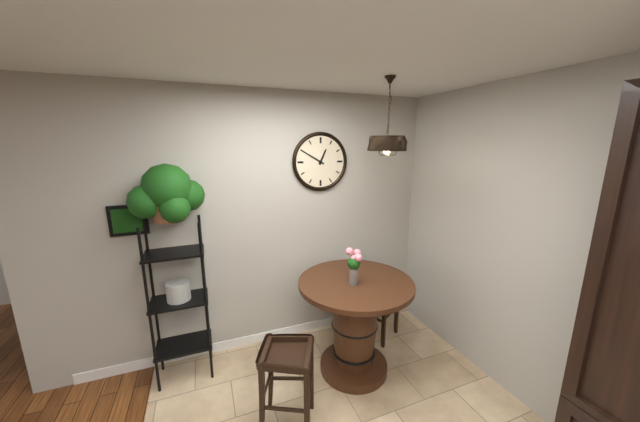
12:50
